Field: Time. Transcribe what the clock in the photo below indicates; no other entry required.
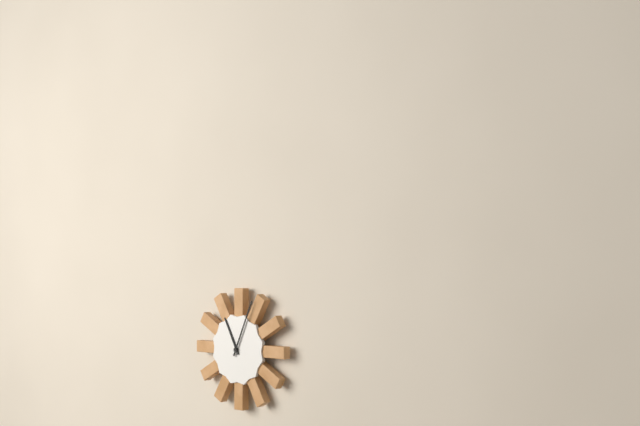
11:04
